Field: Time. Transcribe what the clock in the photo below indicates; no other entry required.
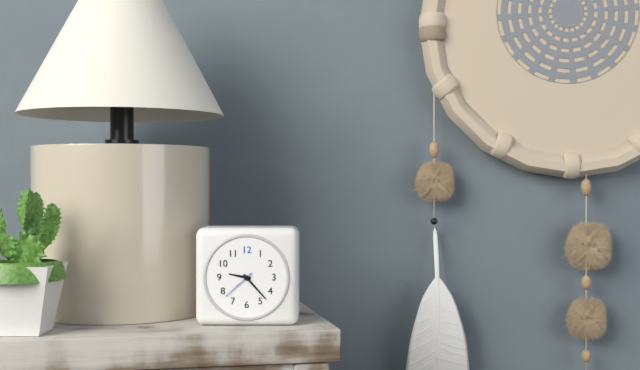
9:23
